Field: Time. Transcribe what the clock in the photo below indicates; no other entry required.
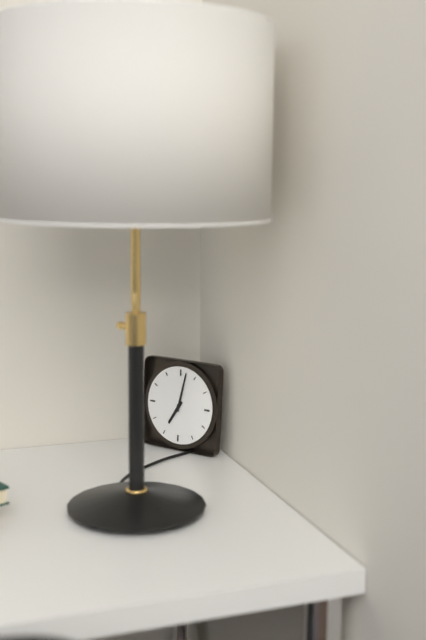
7:02
